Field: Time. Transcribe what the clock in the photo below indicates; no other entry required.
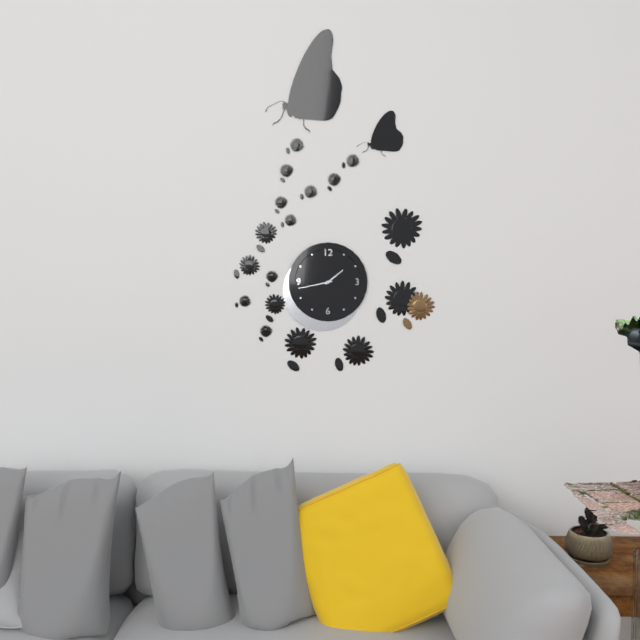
1:43
